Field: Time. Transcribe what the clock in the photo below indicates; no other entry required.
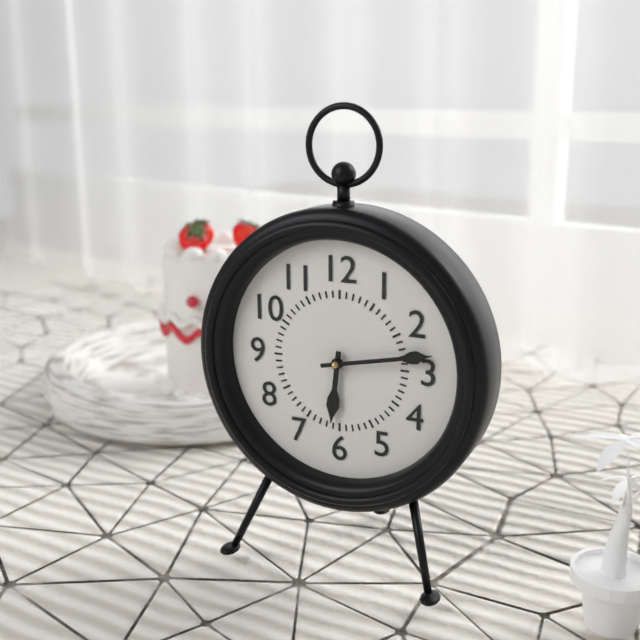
6:13
